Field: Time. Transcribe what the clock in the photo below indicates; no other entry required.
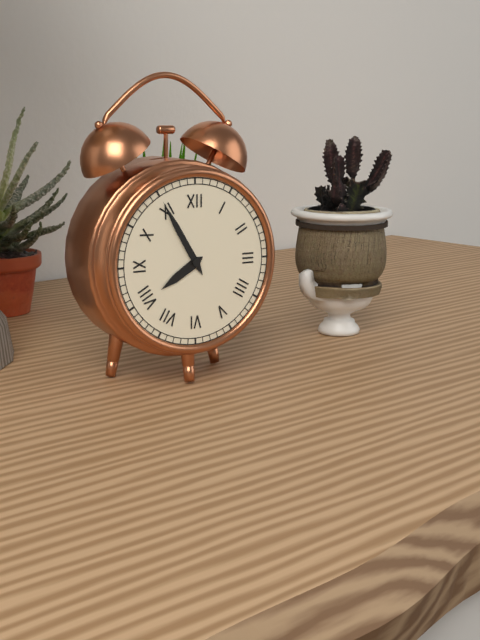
7:55
